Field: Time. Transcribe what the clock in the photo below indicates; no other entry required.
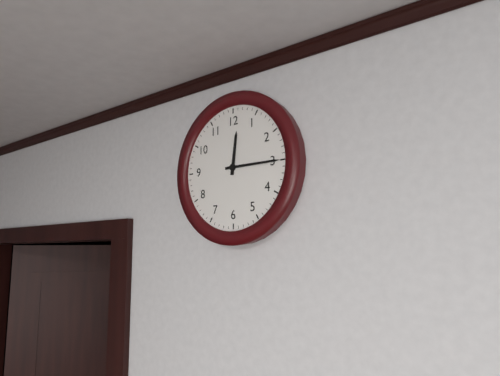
12:15
